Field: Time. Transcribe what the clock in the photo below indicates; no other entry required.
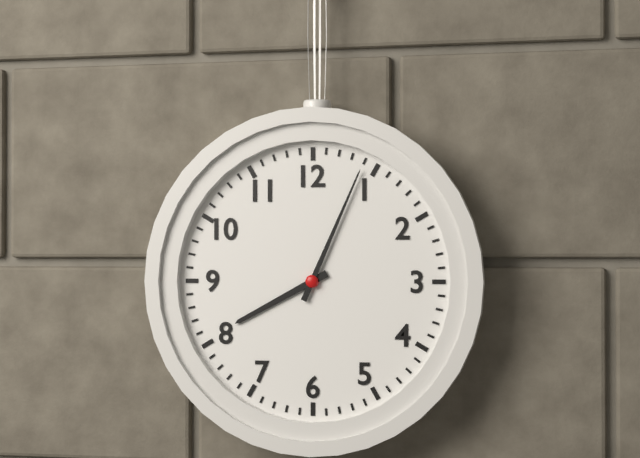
8:04
